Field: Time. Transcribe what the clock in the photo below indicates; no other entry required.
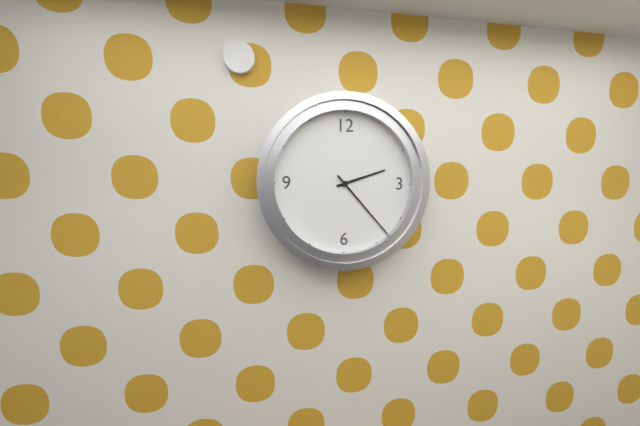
2:23
